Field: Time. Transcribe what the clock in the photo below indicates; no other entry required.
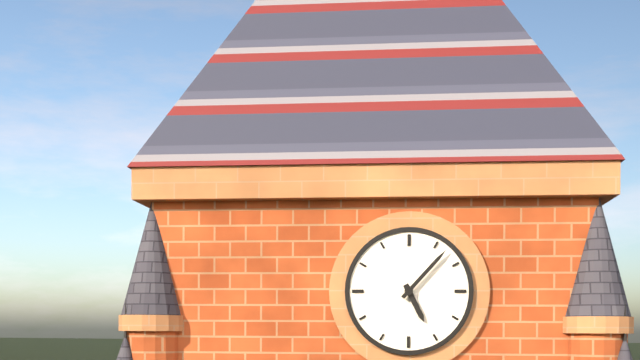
5:07
